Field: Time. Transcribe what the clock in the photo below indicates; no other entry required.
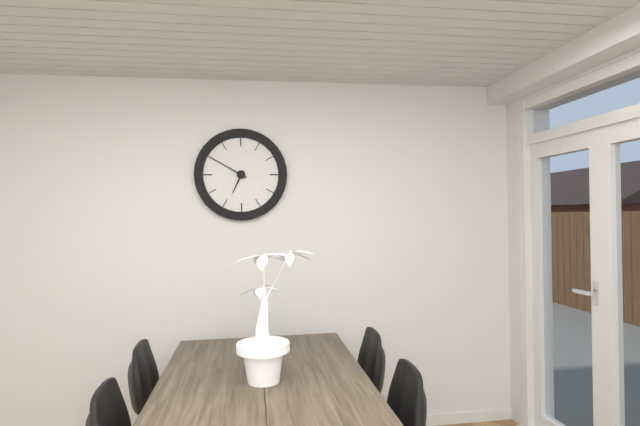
6:50
